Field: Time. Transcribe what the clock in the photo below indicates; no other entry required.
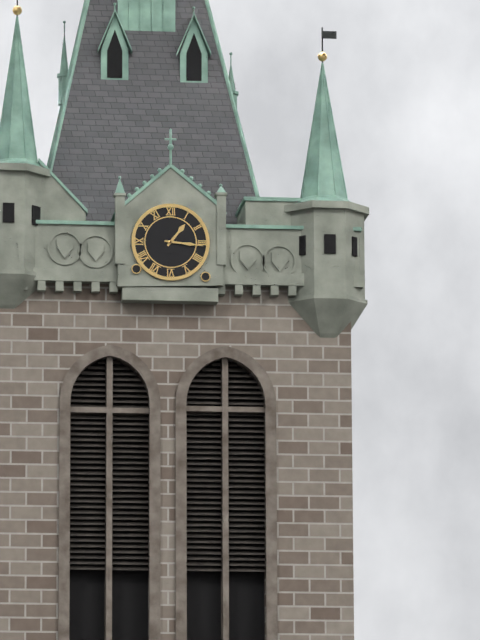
1:16
